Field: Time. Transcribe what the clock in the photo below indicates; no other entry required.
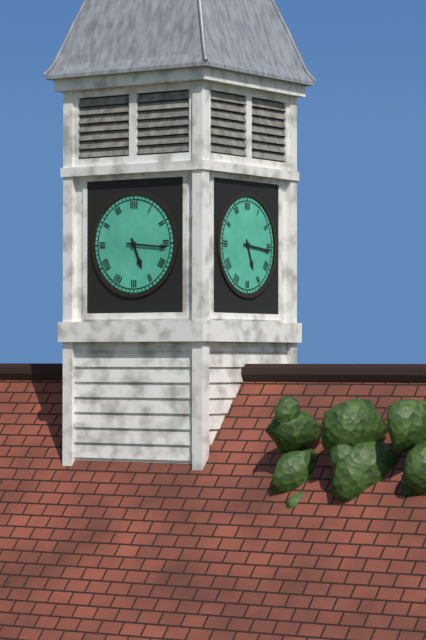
5:16
